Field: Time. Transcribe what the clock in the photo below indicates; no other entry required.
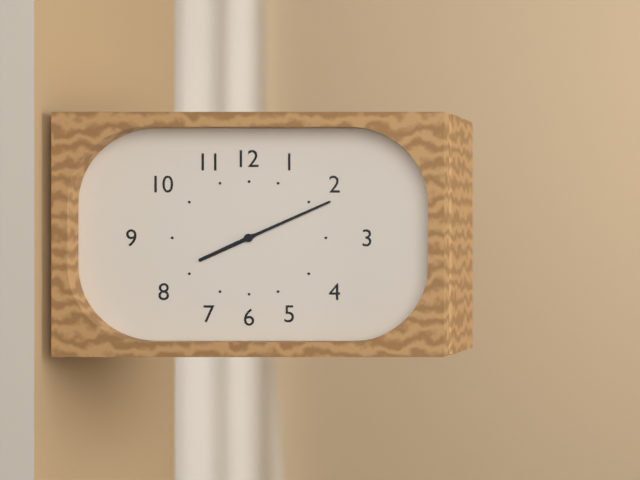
8:11
